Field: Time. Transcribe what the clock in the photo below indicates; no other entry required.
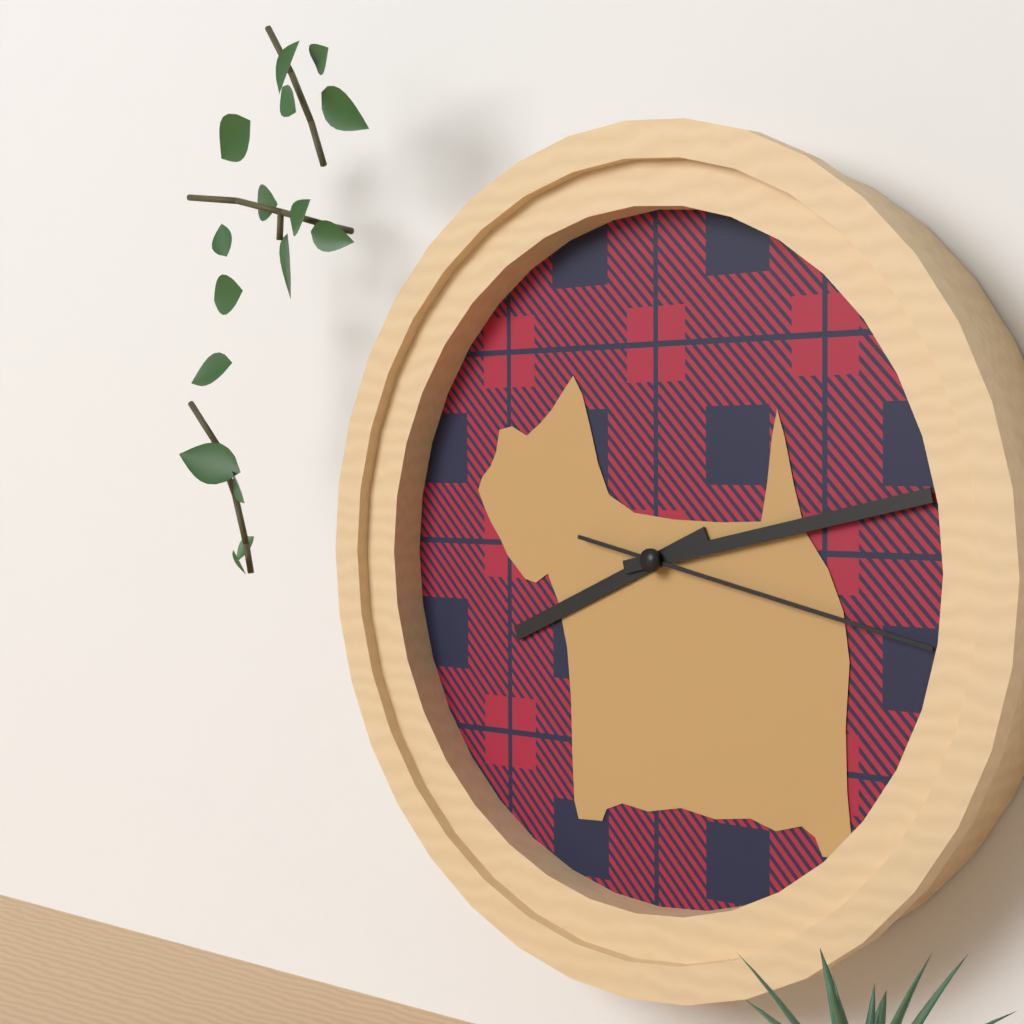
8:13:17
